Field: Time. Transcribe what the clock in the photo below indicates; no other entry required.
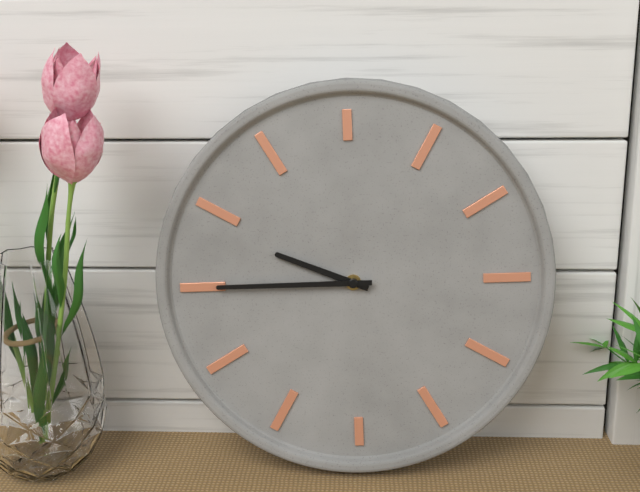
9:45
